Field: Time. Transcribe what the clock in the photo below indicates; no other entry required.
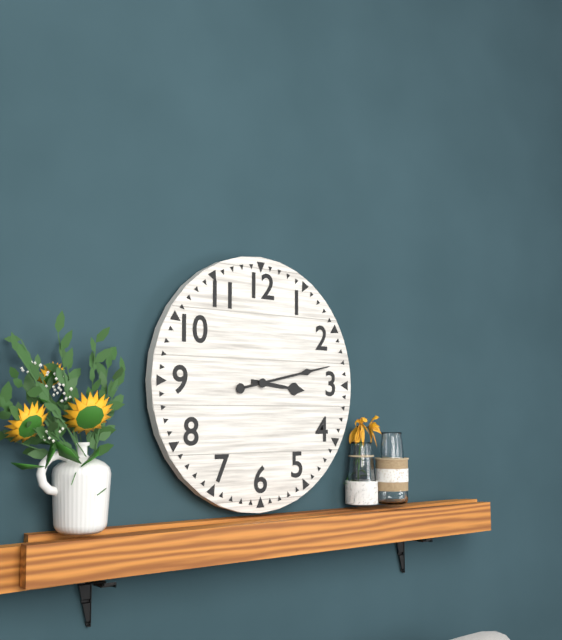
3:13
